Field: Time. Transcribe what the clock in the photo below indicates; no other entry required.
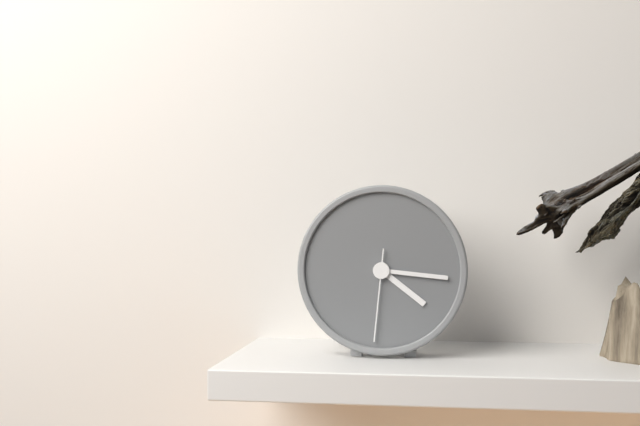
4:16:31
